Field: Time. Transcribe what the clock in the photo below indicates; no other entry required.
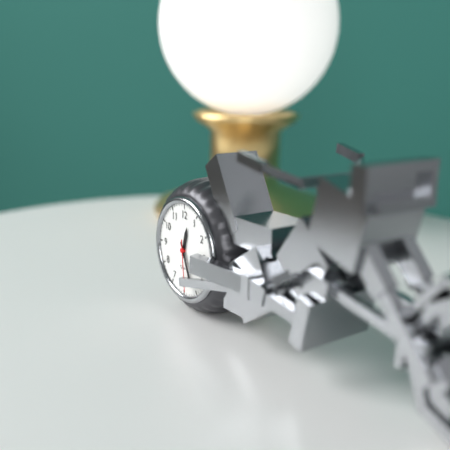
12:26:29
